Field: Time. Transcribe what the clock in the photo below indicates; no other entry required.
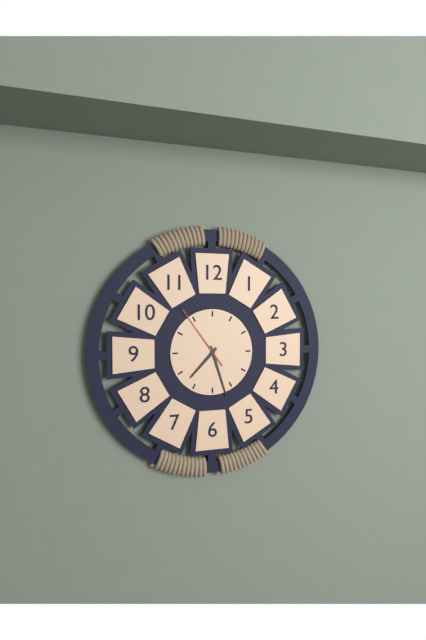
7:27:54
